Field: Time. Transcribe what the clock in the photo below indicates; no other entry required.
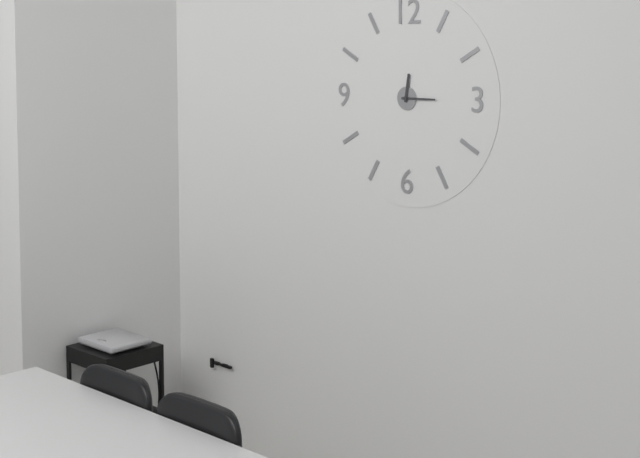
12:15
